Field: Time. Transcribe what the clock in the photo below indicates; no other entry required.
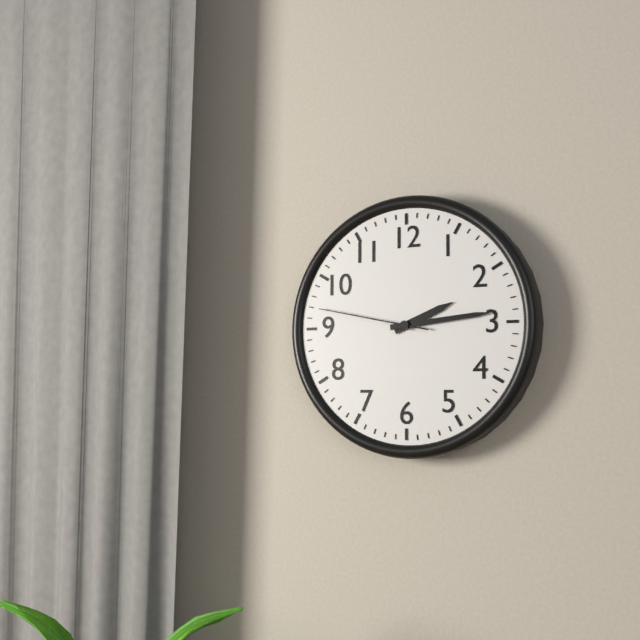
2:14:47
